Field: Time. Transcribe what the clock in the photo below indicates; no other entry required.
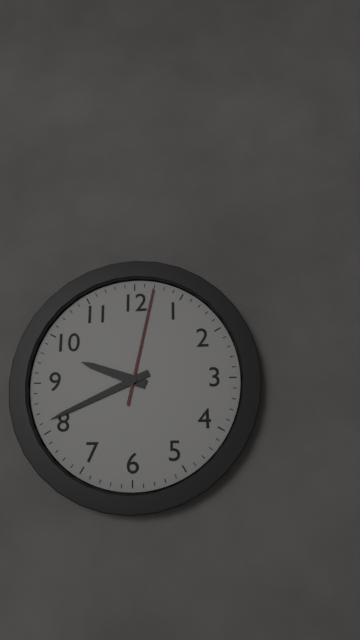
9:41:02
